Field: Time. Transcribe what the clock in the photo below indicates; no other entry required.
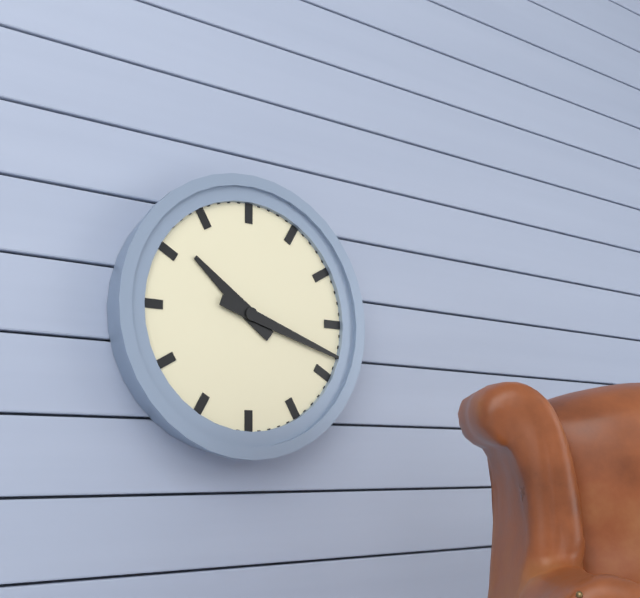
10:18
